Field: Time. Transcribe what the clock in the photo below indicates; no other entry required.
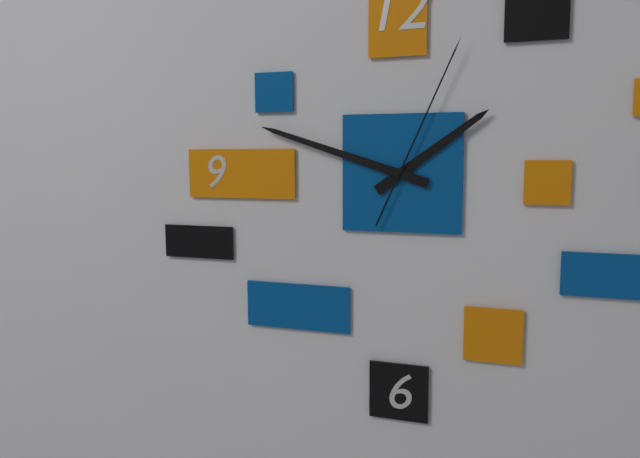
1:48:04
